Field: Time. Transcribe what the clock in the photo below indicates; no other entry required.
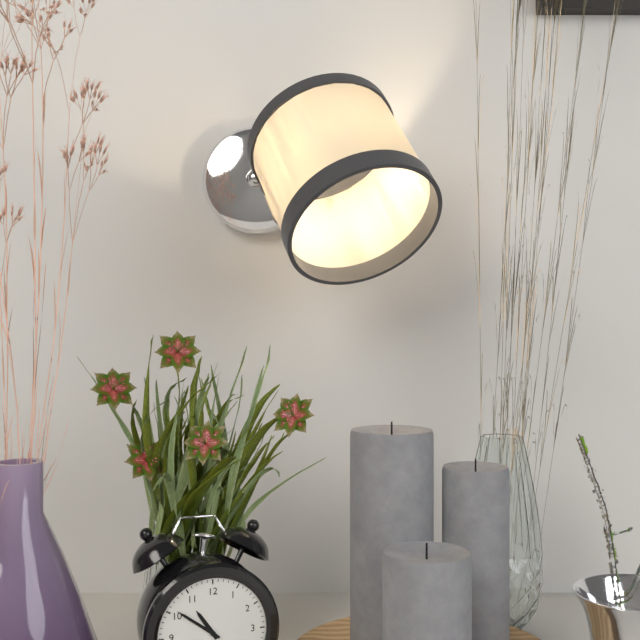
10:51
